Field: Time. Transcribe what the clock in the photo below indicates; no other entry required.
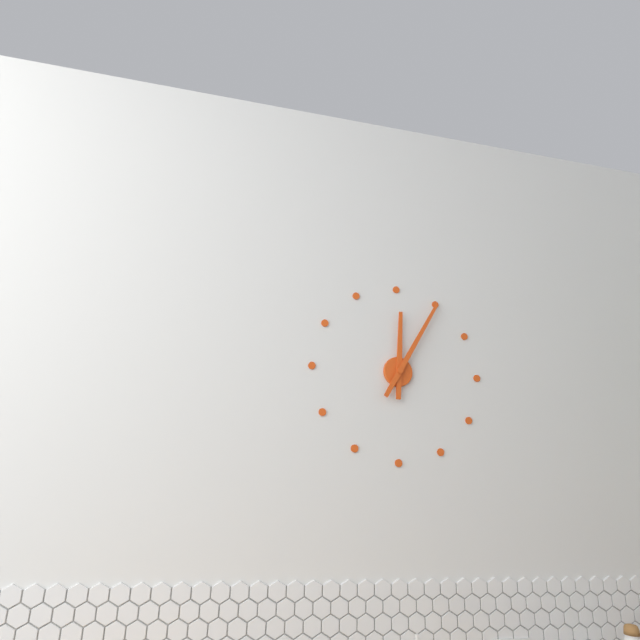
12:05
